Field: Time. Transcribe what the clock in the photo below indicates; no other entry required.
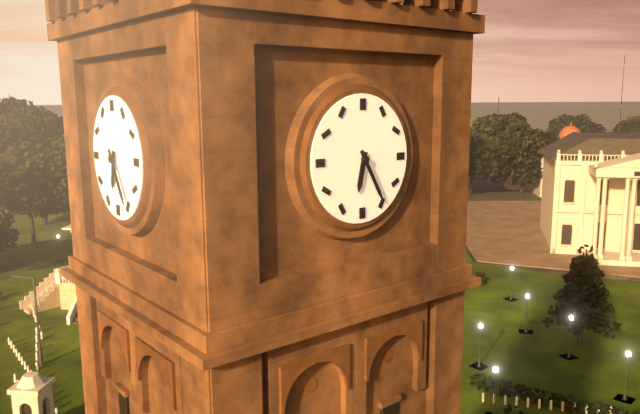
6:25
